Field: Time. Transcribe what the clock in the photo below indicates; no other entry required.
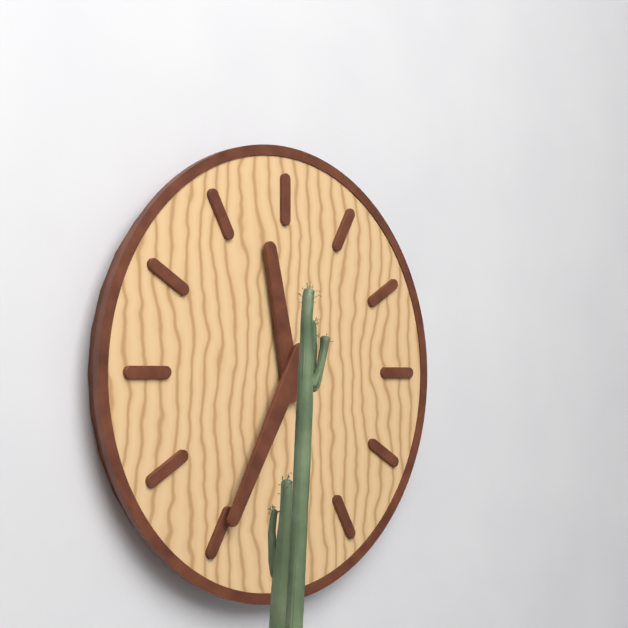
11:35
